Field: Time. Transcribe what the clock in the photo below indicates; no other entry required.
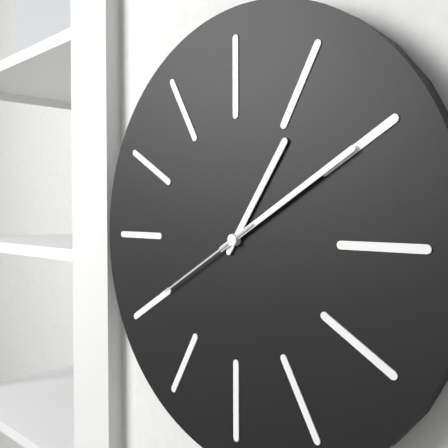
1:10:40
